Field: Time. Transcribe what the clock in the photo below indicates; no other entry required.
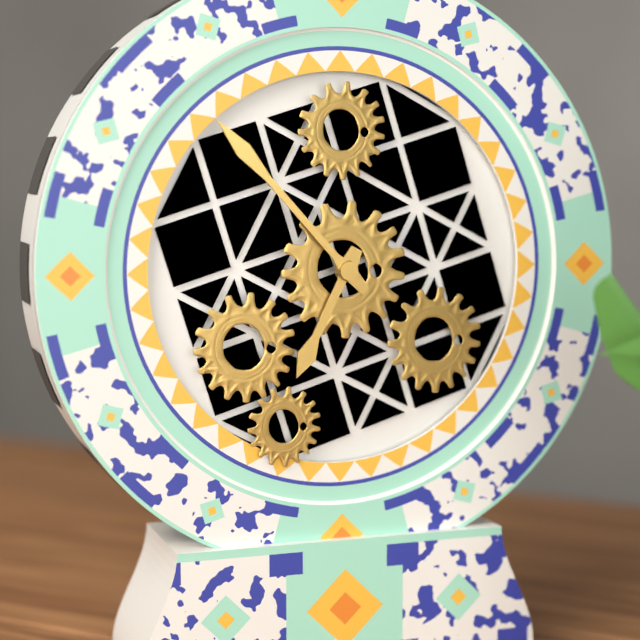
6:53
